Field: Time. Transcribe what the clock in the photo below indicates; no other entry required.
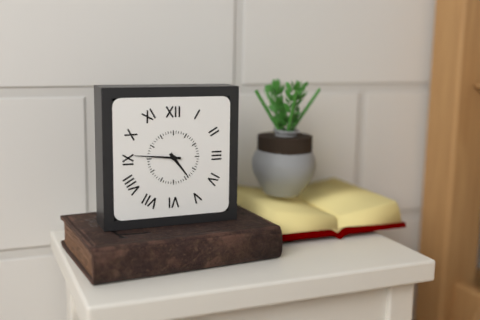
4:46
